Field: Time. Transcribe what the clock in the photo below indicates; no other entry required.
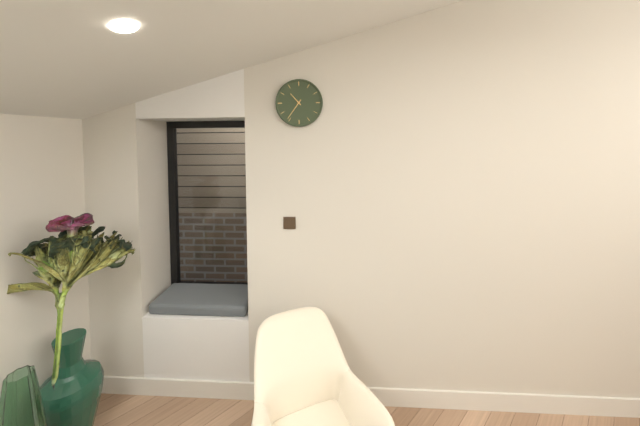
10:36
